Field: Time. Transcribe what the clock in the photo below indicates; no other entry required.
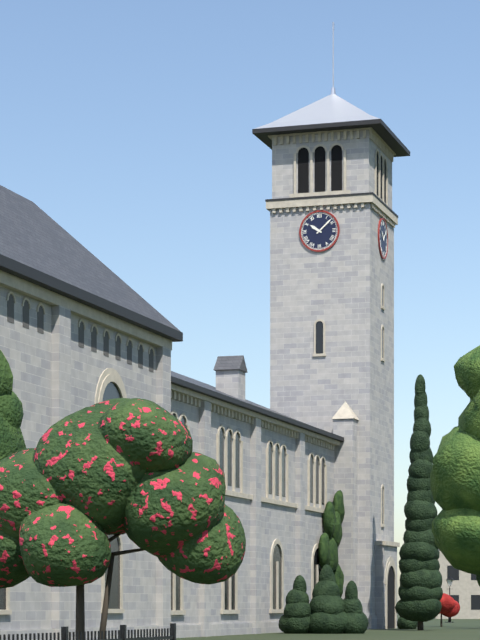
10:08
